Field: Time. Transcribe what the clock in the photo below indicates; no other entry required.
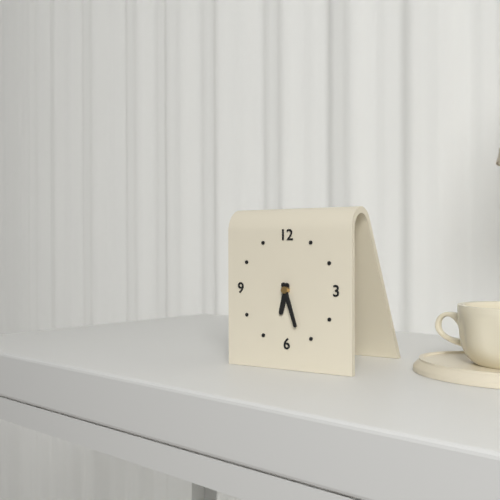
6:27
